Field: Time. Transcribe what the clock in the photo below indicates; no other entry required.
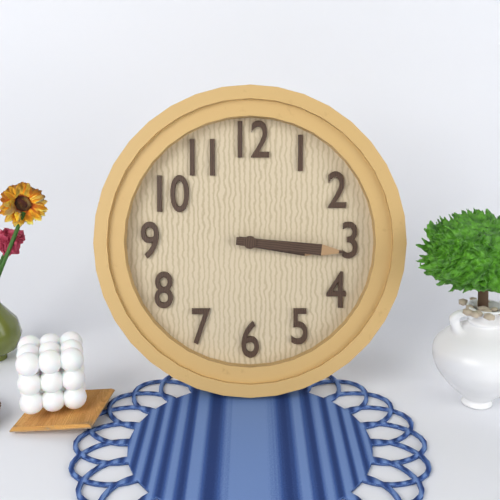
3:16
